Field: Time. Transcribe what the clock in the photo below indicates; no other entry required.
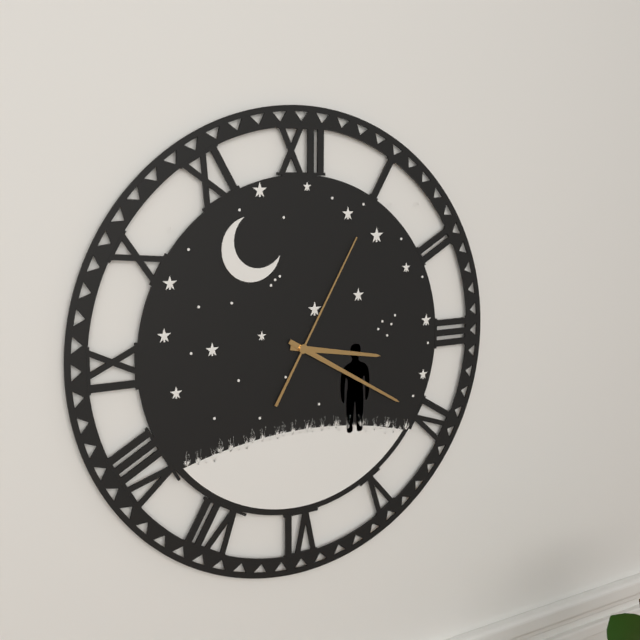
3:20:05
